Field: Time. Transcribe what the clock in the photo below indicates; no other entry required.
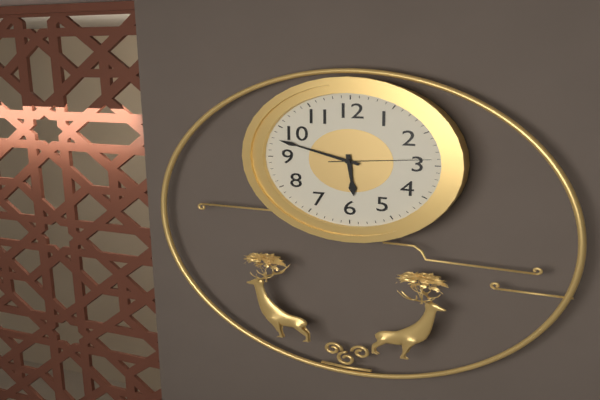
5:48:14
